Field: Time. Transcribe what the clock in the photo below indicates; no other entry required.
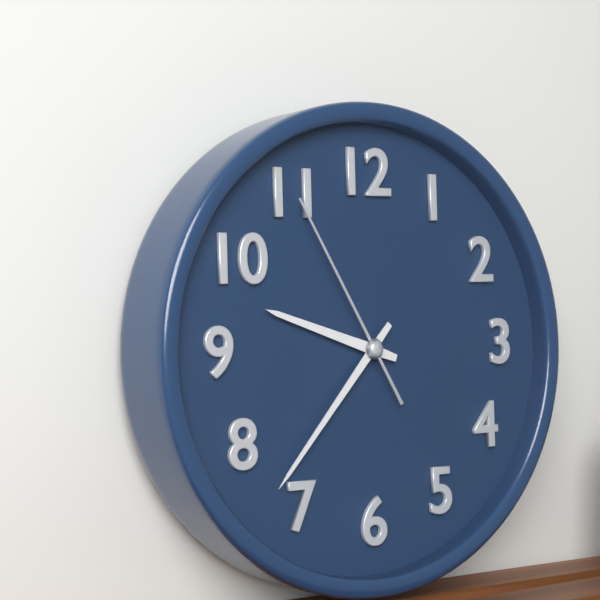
9:37:55
